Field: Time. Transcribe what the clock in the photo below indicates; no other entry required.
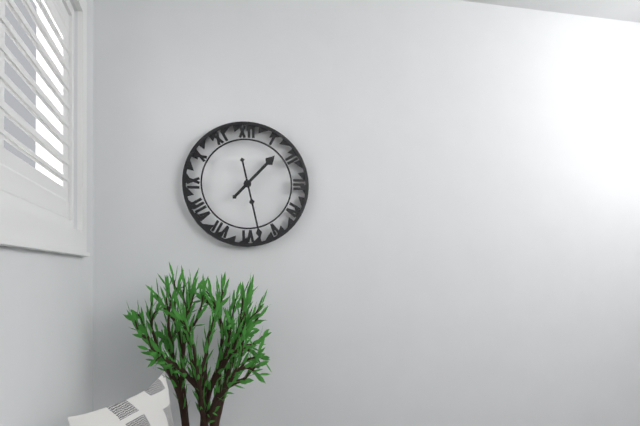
1:28
